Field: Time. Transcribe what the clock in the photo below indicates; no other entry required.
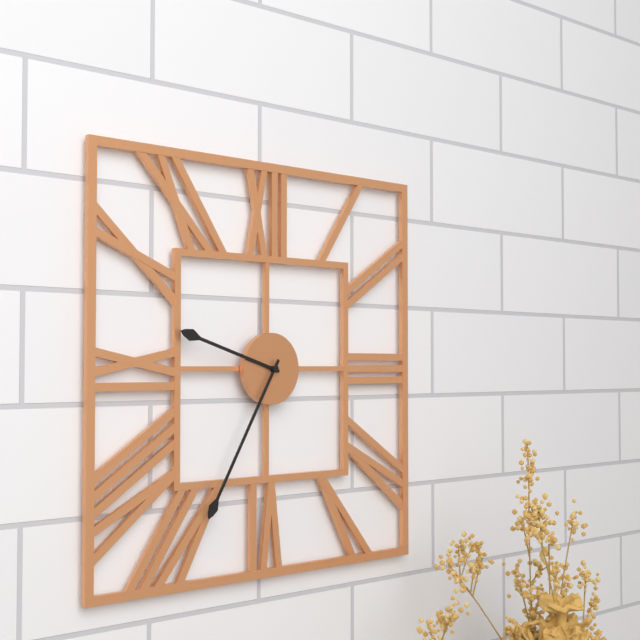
9:35
